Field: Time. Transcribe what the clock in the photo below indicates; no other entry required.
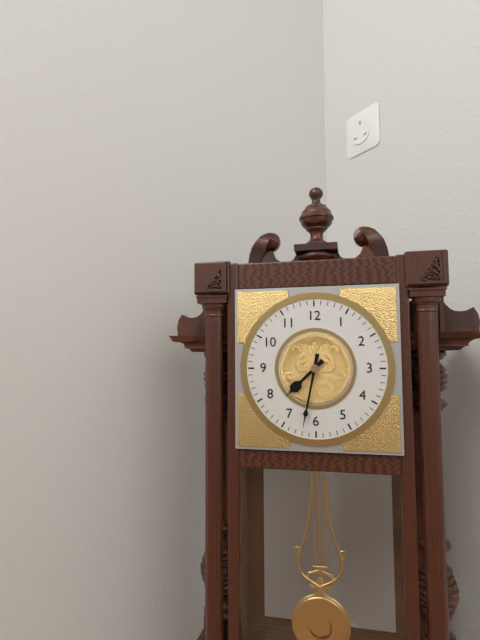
7:32
